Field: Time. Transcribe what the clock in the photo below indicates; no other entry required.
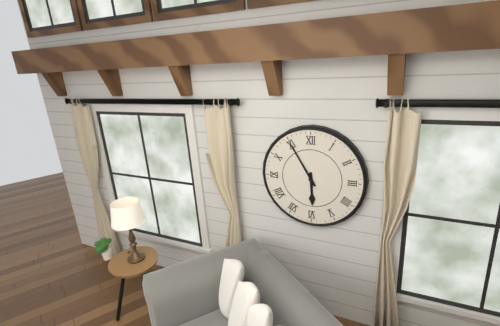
5:55
